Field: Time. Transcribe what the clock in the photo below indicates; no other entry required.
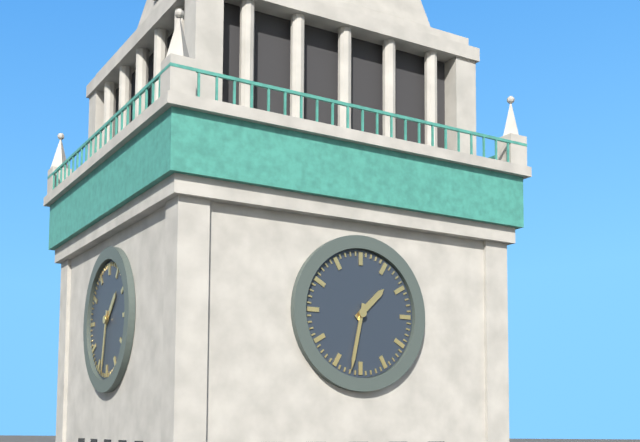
1:32
